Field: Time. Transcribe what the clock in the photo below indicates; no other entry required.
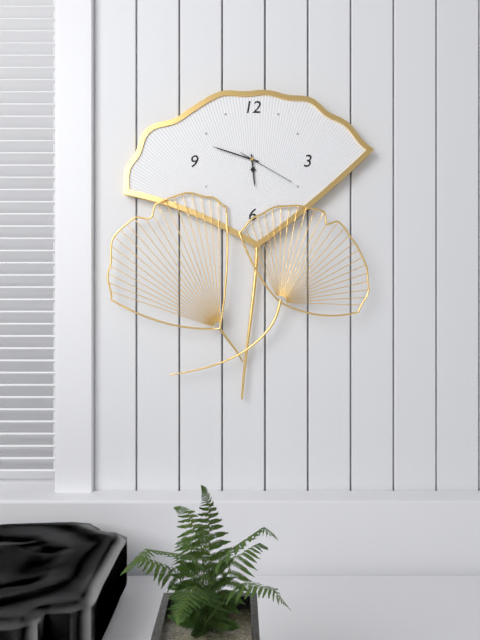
5:48:20
